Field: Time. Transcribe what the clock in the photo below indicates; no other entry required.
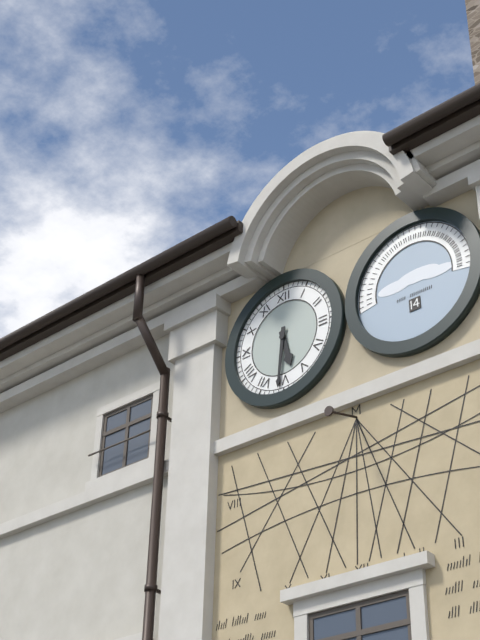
5:31
